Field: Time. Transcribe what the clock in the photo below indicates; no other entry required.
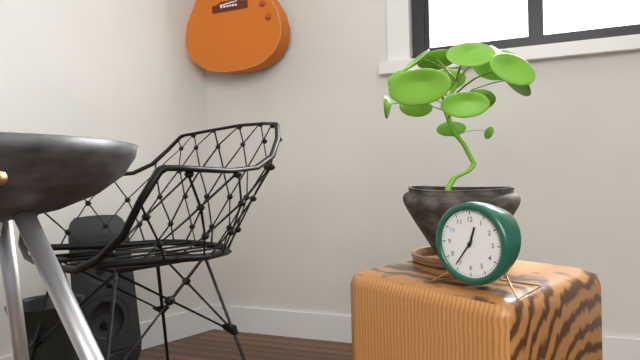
12:36
